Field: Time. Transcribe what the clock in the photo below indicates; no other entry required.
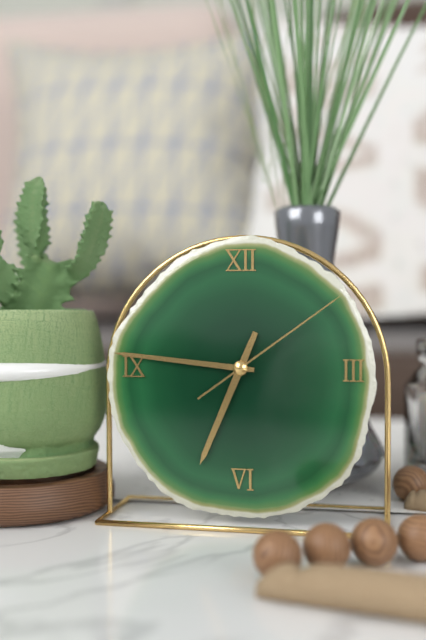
6:46:09
